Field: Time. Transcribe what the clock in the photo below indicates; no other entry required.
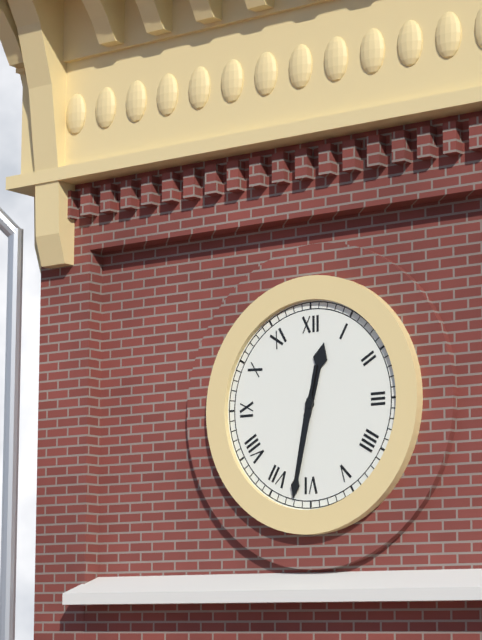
12:32
